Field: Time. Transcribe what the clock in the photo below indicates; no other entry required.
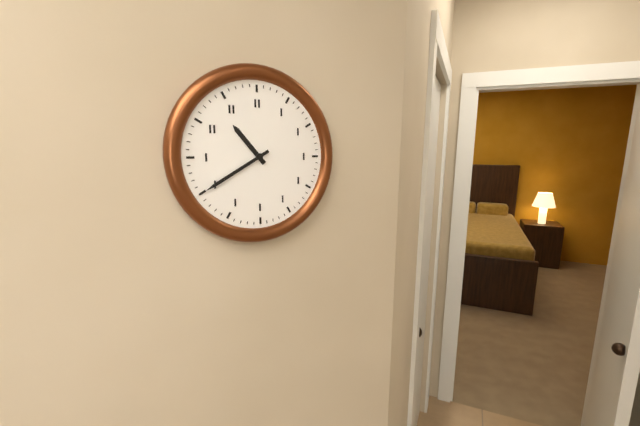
10:40
